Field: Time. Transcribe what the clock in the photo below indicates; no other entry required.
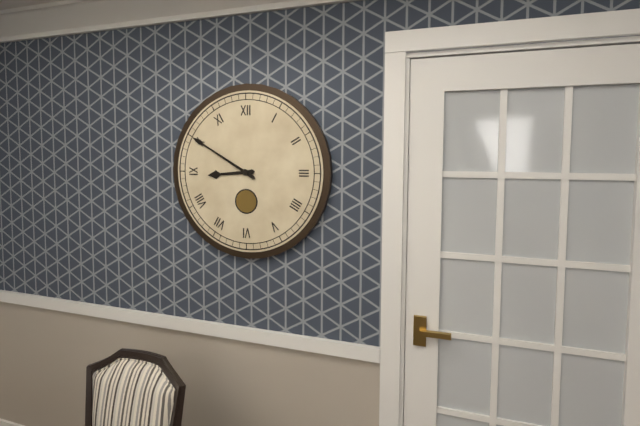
8:50
